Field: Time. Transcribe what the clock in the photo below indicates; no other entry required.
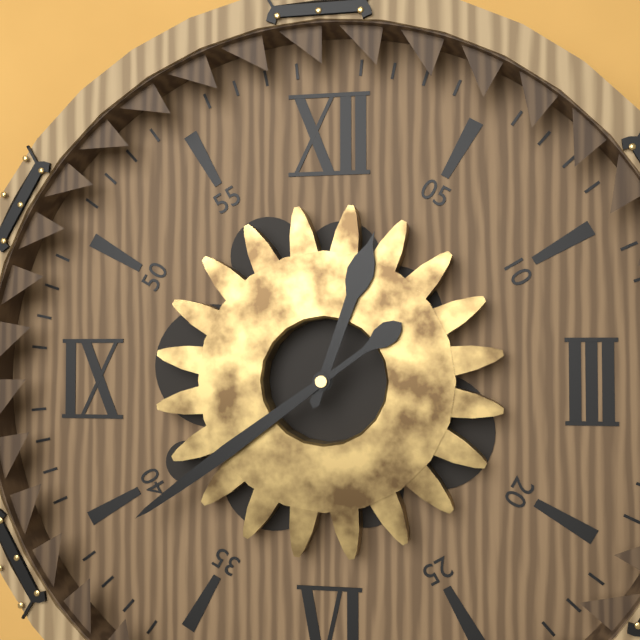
12:39
